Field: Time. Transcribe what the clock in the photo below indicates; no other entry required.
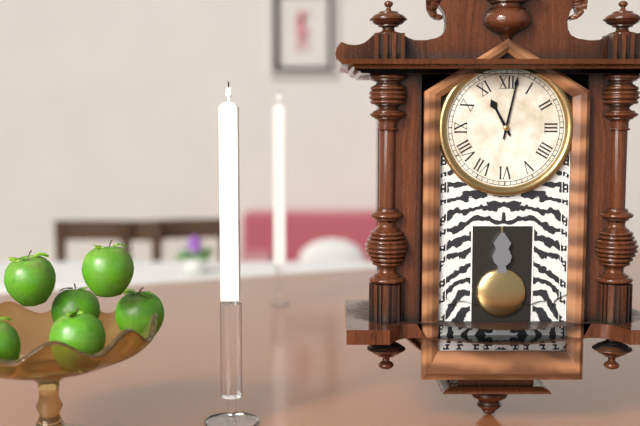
11:02
